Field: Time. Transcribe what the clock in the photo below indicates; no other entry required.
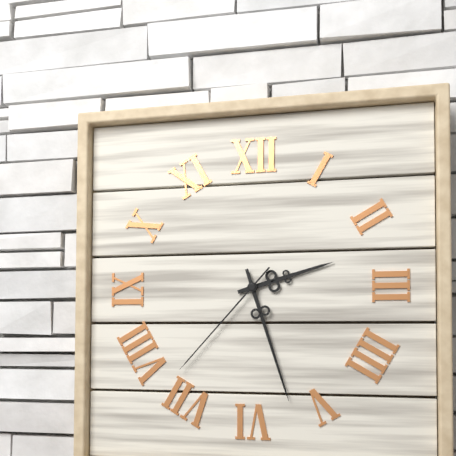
2:27:37
